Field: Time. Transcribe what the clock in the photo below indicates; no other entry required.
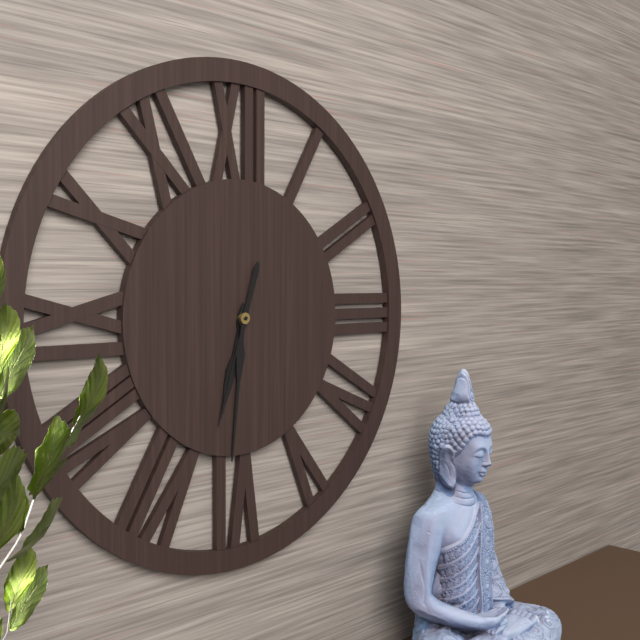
6:31:33
